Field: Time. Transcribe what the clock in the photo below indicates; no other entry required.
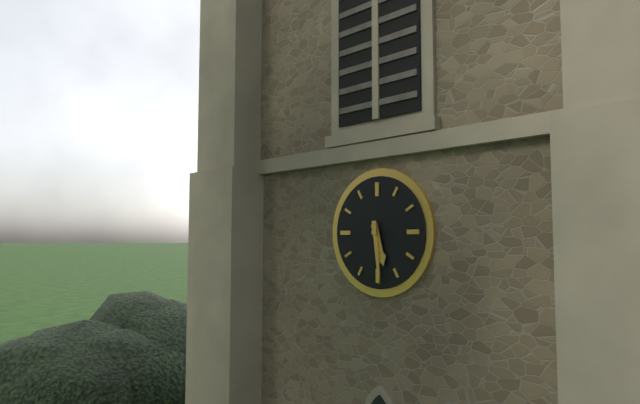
5:29
